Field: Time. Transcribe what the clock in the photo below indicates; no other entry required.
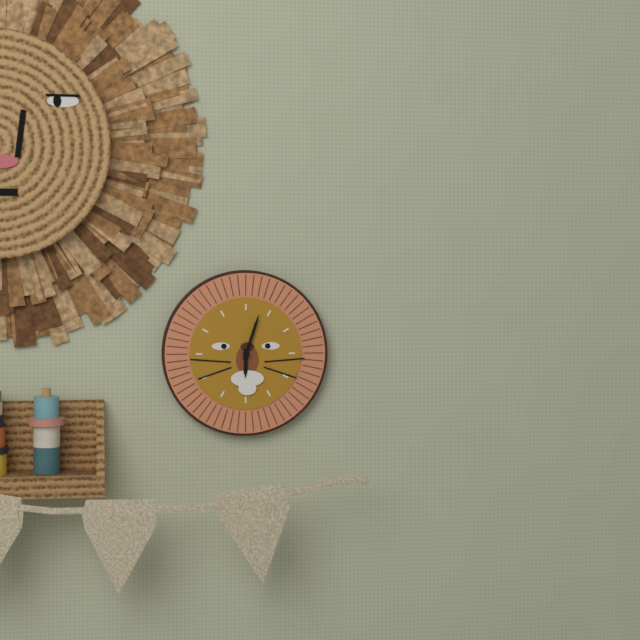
6:03
